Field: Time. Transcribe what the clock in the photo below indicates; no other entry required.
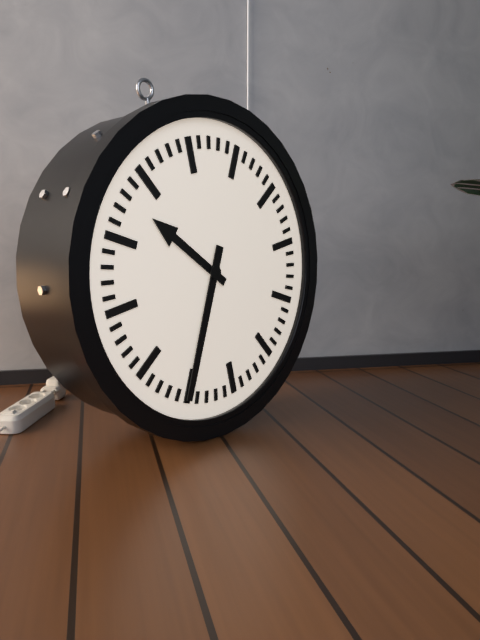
10:35
